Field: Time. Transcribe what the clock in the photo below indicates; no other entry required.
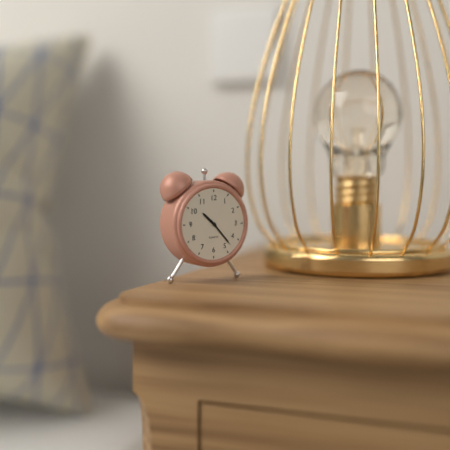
10:23
